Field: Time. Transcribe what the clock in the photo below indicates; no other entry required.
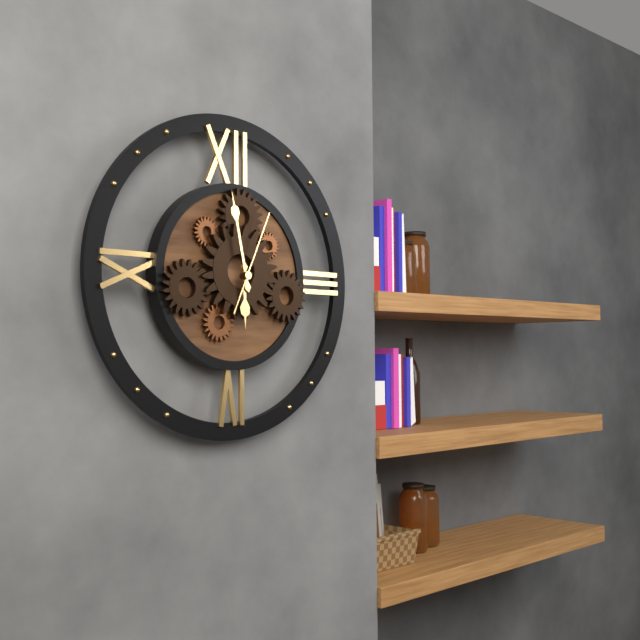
5:58:04
